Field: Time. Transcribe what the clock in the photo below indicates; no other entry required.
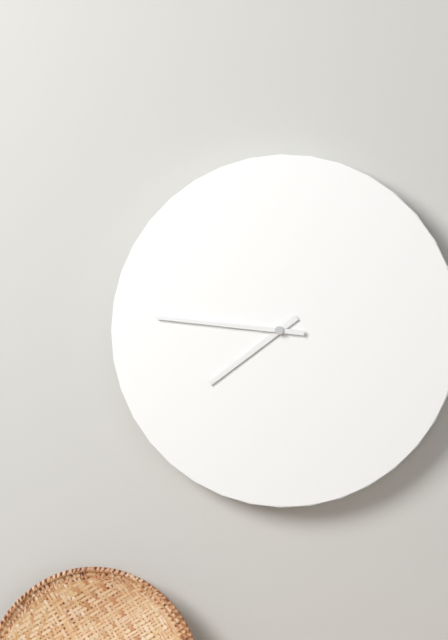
7:46
